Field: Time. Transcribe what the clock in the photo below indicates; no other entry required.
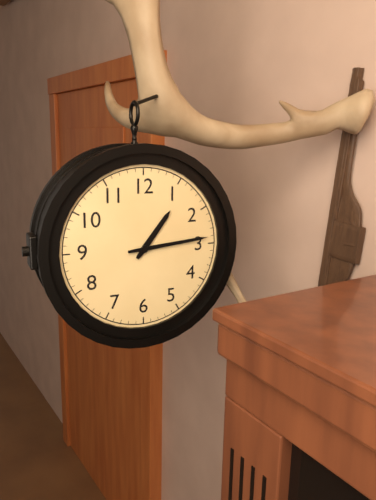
1:14
